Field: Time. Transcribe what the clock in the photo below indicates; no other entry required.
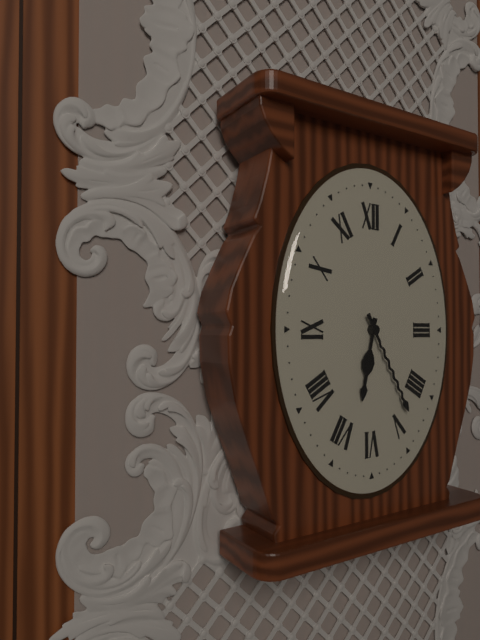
6:25
